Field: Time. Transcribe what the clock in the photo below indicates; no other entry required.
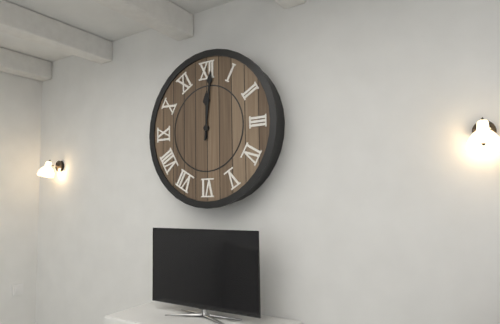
12:01
